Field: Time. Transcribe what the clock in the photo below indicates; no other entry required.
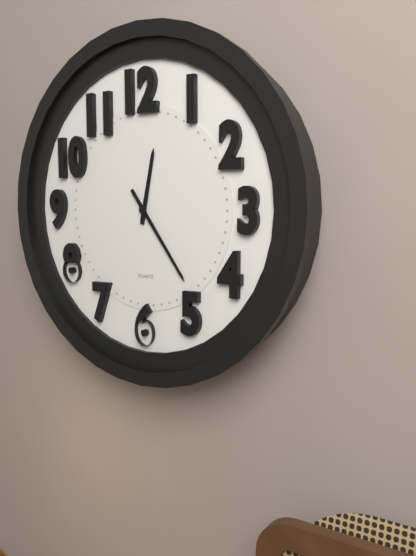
12:24
